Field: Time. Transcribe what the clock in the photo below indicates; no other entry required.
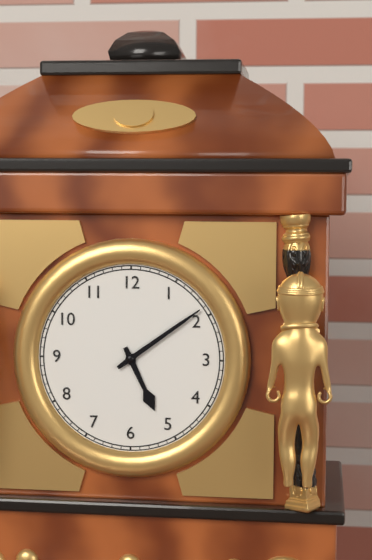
5:09
